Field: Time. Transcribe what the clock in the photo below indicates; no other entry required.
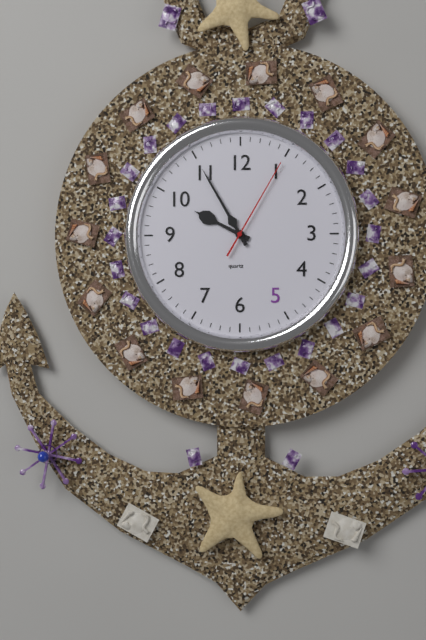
9:55:05
